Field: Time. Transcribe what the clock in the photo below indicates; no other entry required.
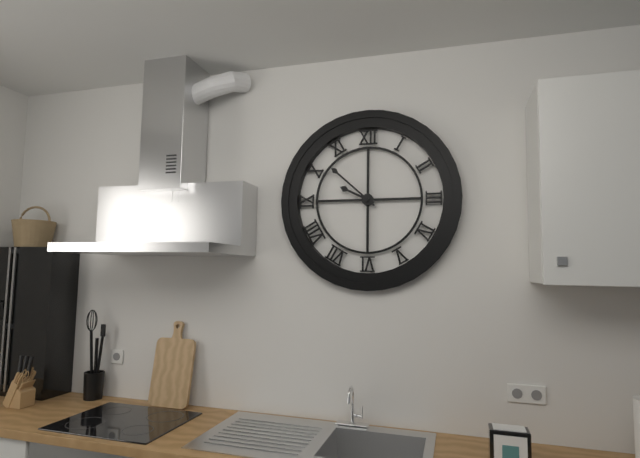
9:52
